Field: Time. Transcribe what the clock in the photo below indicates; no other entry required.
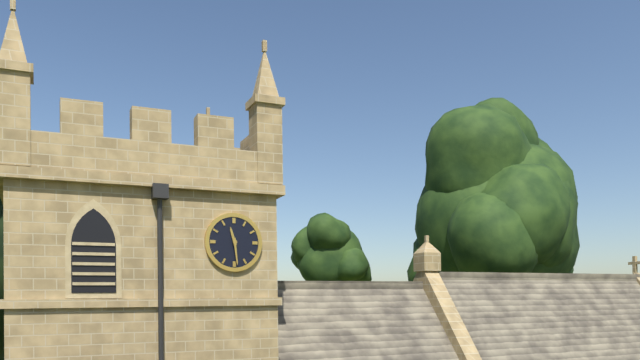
11:29
